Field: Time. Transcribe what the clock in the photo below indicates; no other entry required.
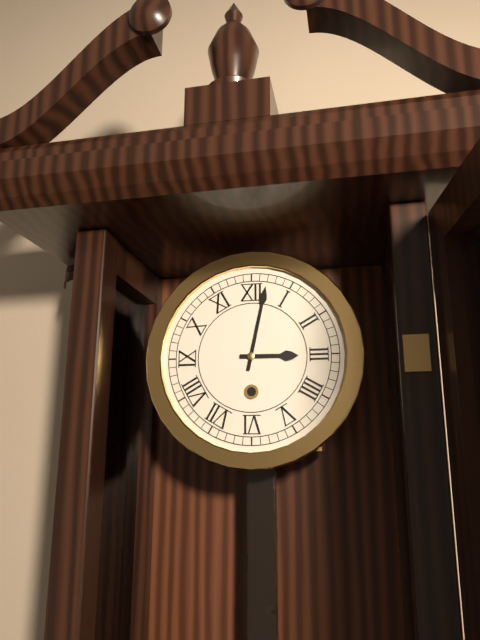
3:02
